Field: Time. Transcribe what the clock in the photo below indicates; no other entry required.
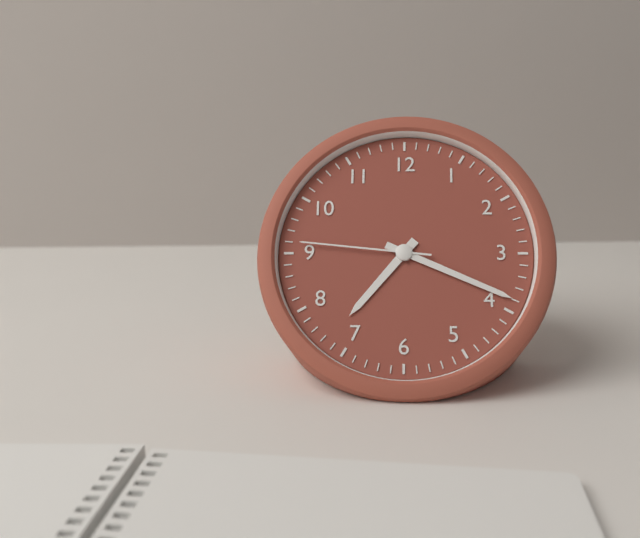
7:19:46
